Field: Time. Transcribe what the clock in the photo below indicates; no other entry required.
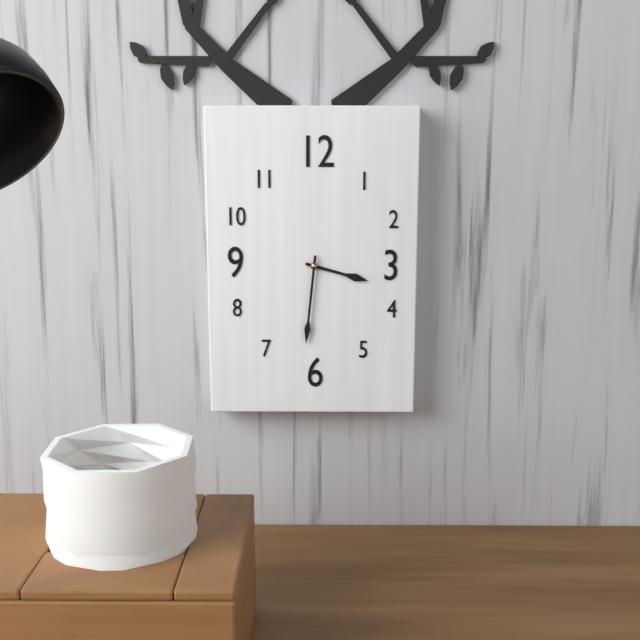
3:31
